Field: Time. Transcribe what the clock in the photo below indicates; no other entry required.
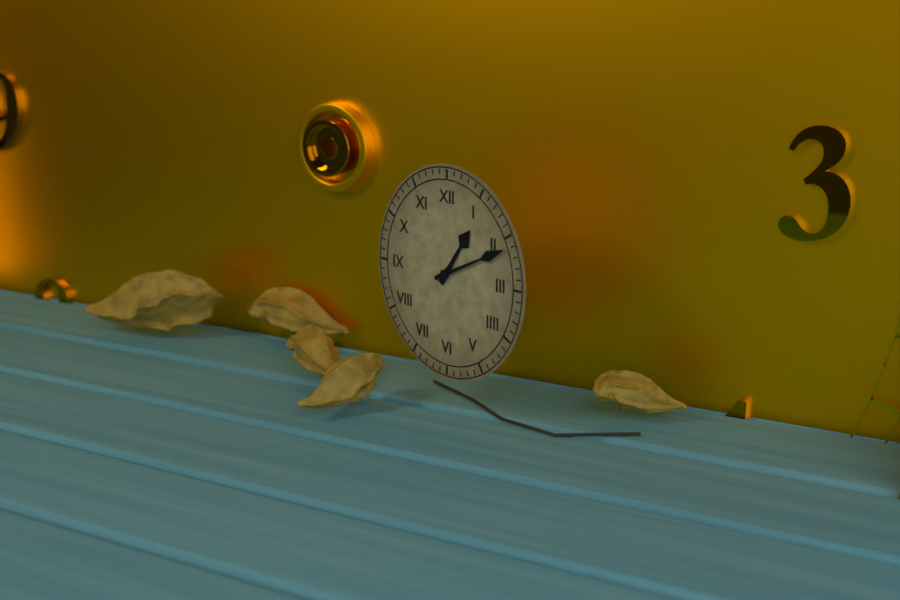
1:11
